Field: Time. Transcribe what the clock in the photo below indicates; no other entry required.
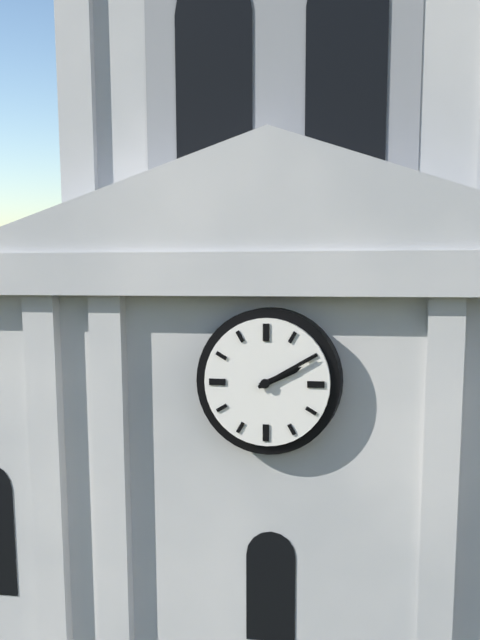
2:10
